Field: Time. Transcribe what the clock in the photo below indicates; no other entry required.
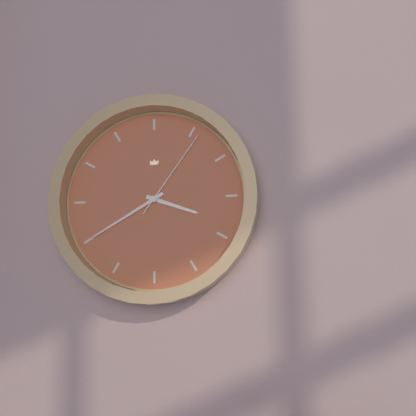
3:40:06
